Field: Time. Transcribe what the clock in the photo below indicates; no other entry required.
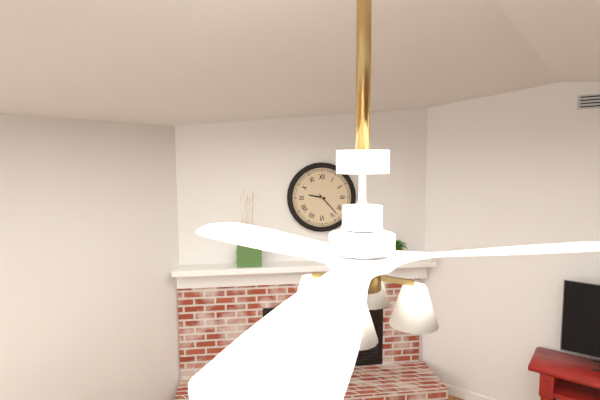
9:23
